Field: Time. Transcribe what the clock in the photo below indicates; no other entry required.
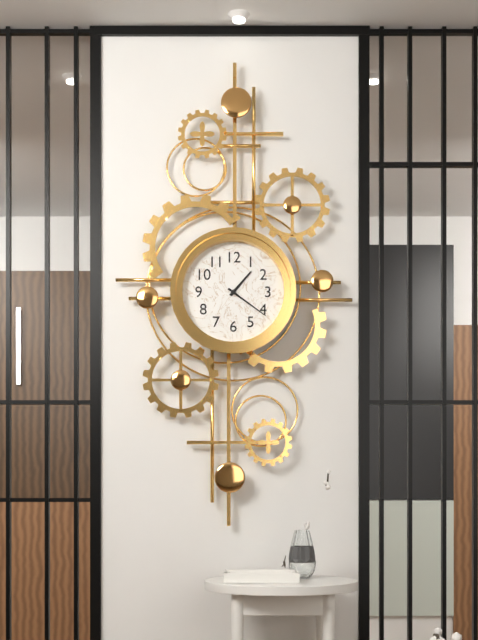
1:21
